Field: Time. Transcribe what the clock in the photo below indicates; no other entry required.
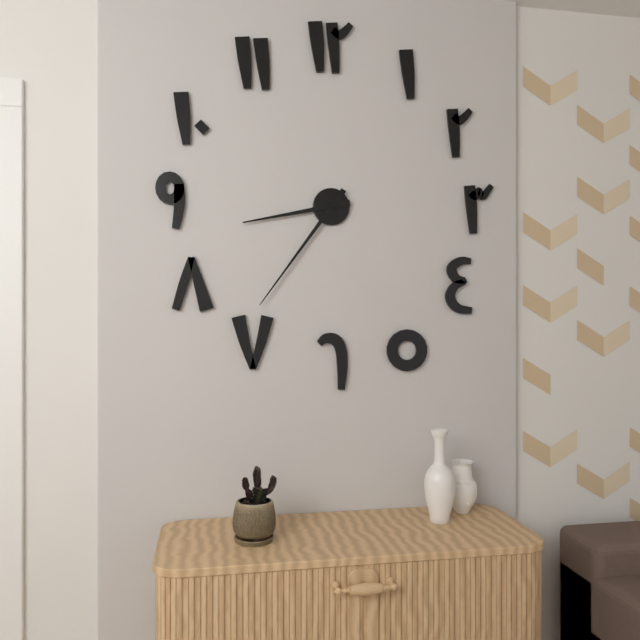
8:36
